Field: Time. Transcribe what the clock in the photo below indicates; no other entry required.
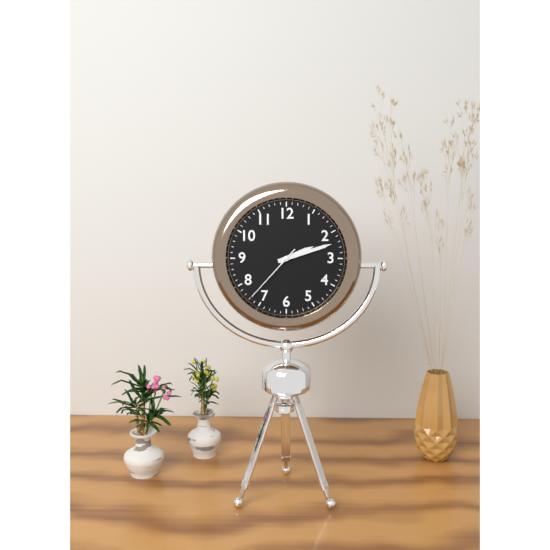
2:12:37
